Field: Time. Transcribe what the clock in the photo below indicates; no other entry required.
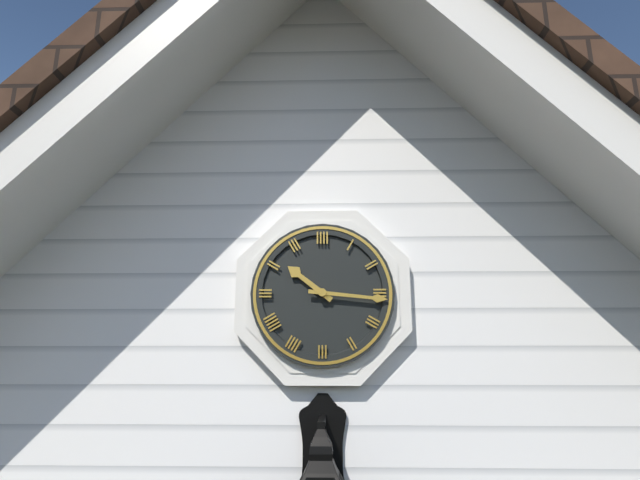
10:16
